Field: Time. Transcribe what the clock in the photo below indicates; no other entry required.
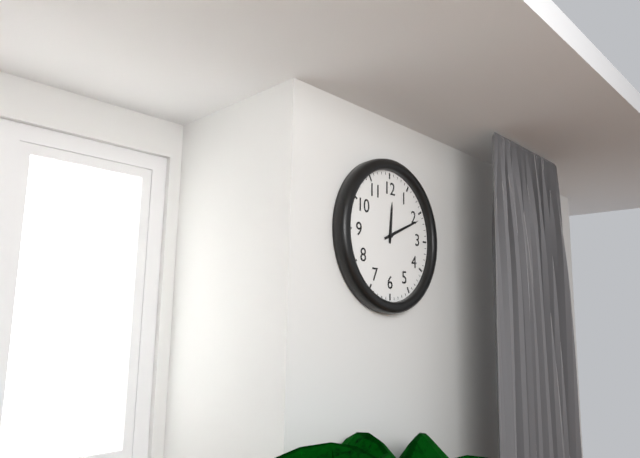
12:11
